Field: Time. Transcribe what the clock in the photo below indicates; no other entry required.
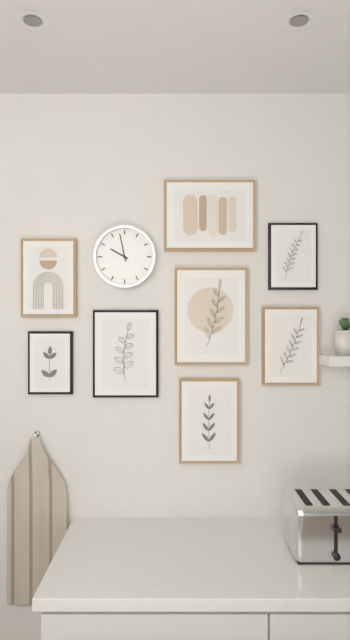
9:58
